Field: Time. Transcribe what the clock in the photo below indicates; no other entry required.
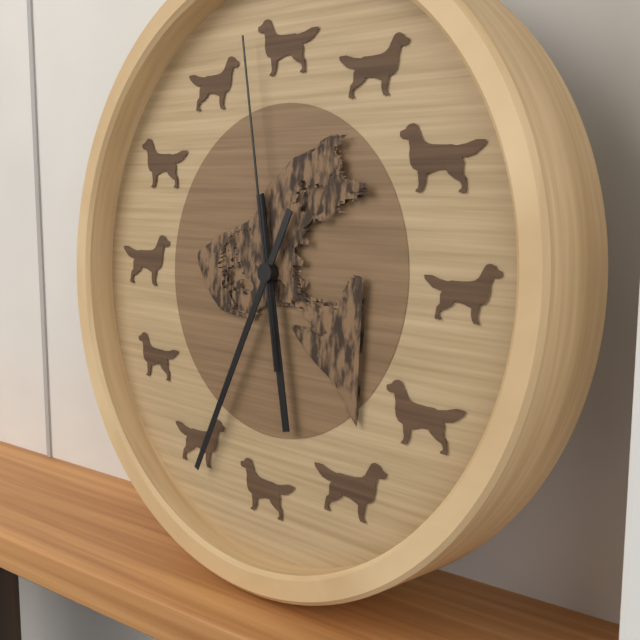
5:34:58
